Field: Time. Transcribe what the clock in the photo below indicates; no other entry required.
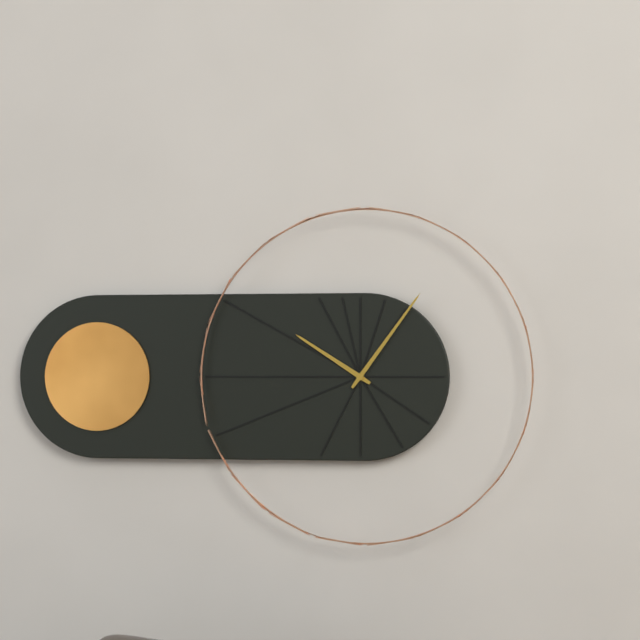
10:06
